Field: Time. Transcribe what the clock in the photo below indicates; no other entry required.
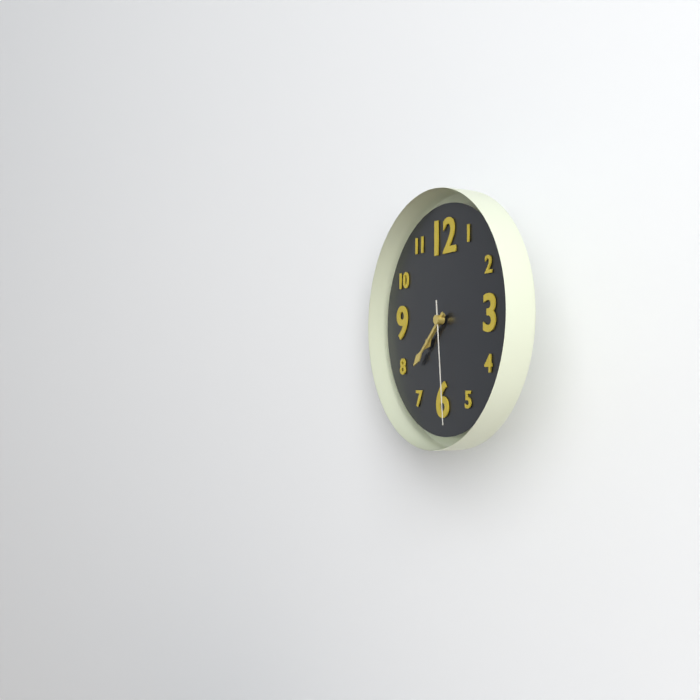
7:38:29
